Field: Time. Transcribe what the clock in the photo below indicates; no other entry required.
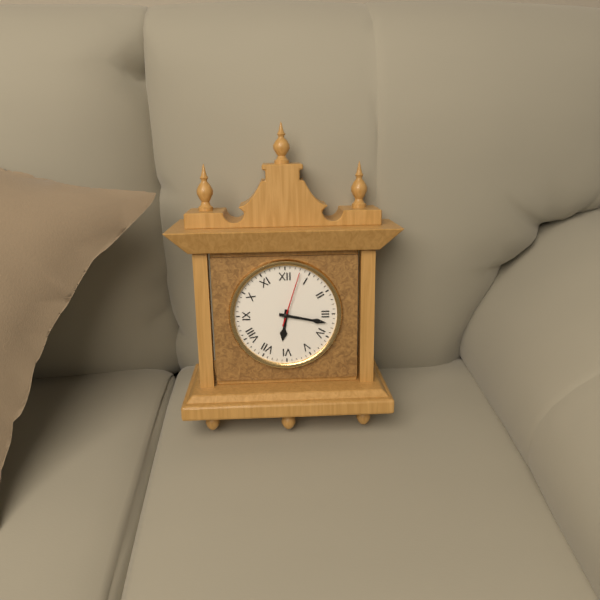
6:17:03
